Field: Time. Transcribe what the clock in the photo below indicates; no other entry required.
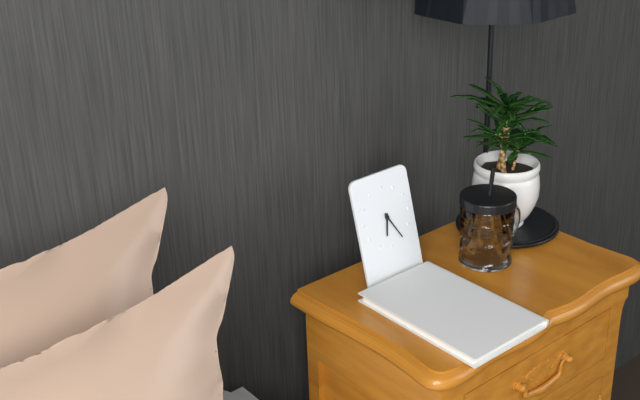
6:25
